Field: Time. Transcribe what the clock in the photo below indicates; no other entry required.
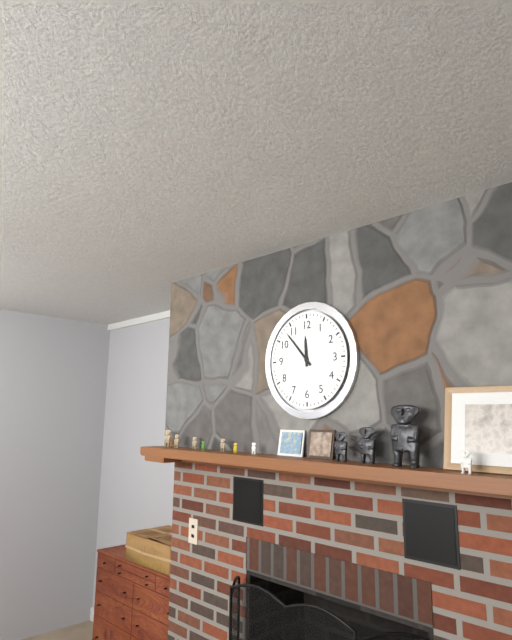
11:53
